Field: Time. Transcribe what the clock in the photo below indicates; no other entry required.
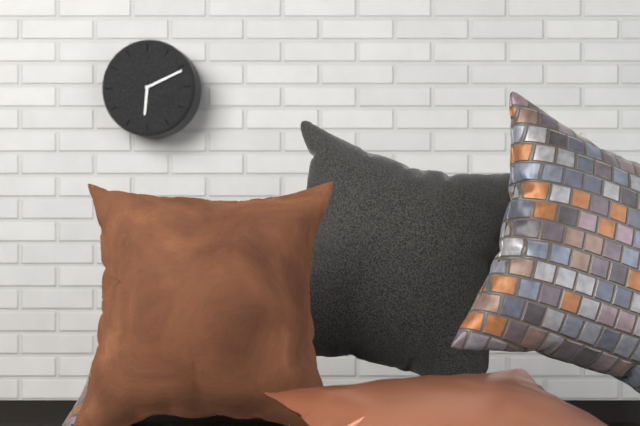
6:11
